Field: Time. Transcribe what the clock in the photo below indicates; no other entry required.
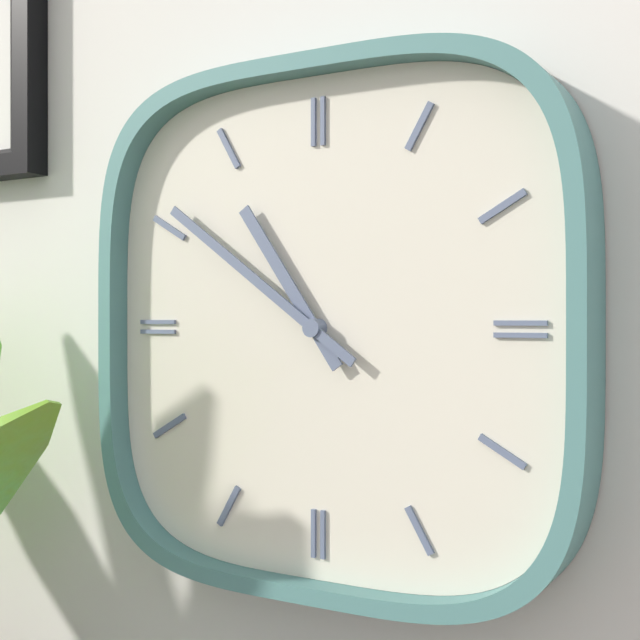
10:51
